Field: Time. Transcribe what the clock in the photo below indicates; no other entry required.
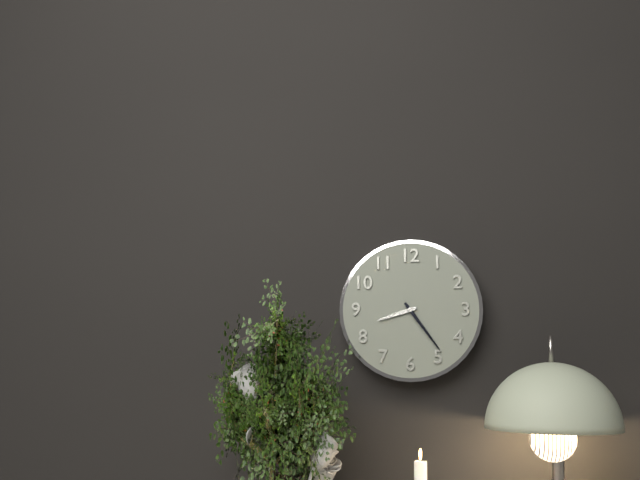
8:24
